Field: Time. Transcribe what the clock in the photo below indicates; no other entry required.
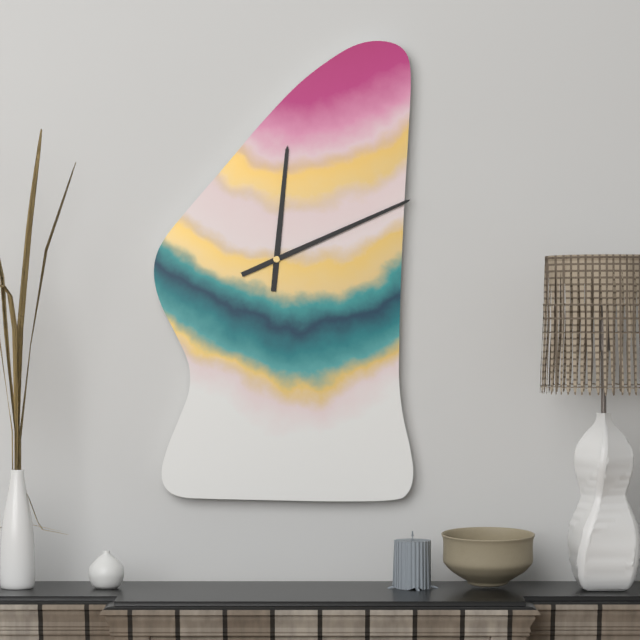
12:11
